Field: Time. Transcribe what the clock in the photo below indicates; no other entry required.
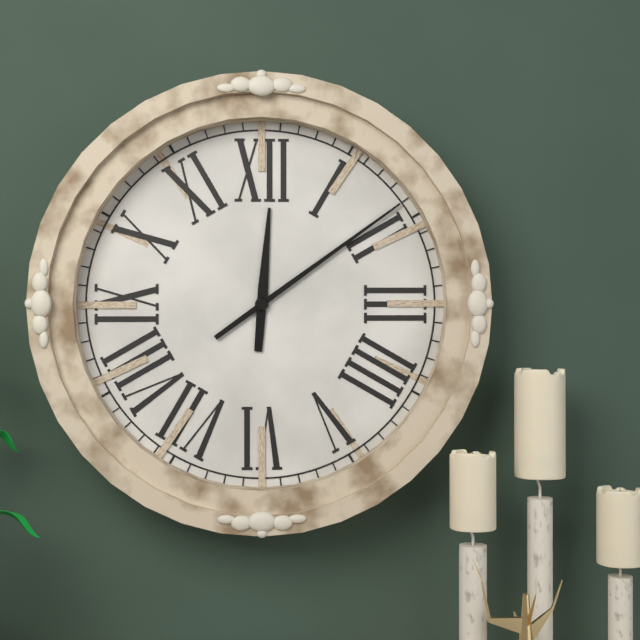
12:09
